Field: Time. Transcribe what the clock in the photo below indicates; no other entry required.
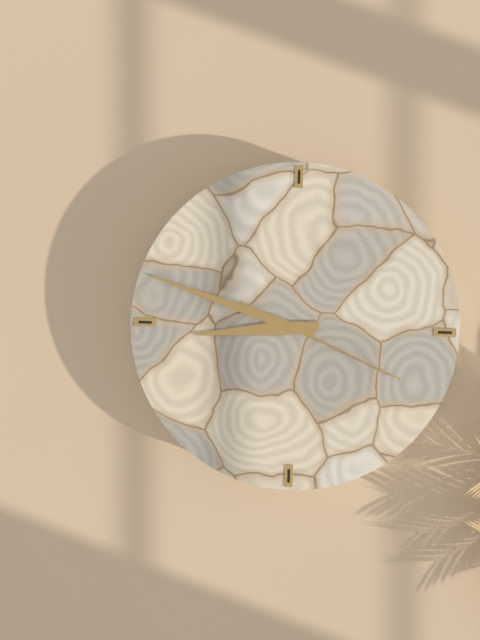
8:48:19
